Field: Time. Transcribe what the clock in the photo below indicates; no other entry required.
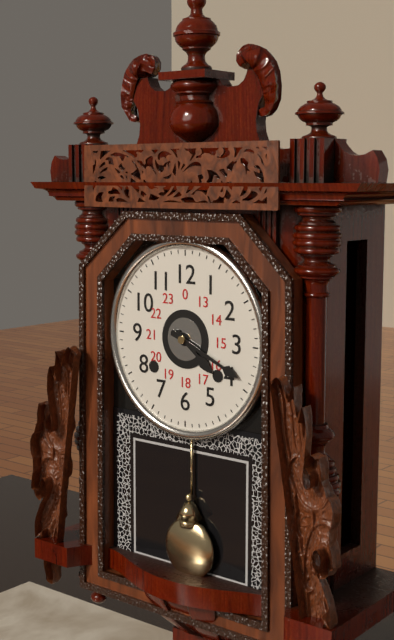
4:19
